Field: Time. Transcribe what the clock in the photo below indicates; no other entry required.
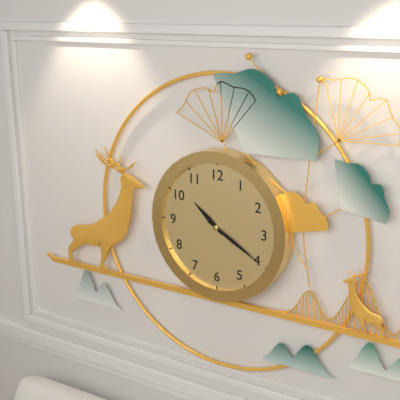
10:20
